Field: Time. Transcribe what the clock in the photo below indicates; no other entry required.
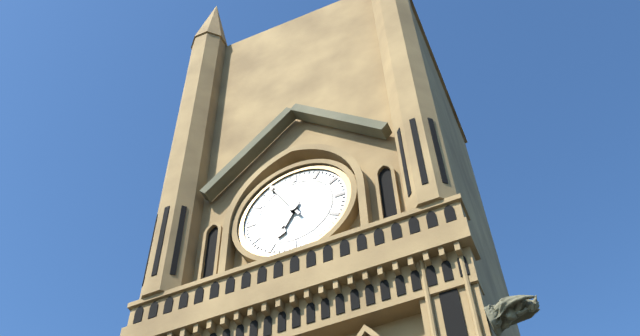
6:55
